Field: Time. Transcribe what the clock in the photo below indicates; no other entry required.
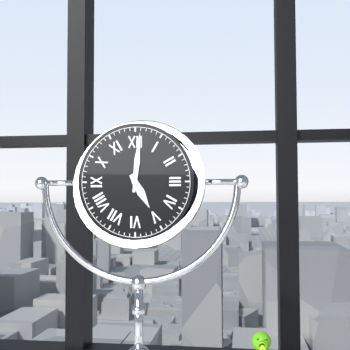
5:01
